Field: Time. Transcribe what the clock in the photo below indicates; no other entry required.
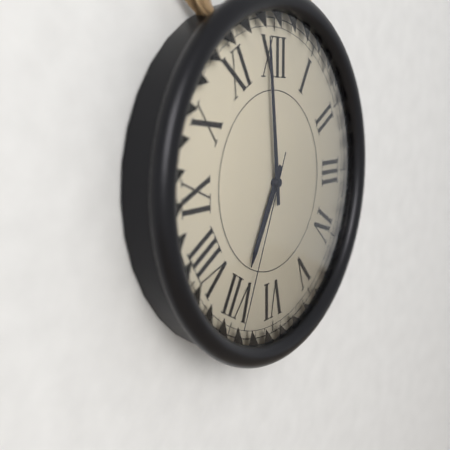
6:59:34
